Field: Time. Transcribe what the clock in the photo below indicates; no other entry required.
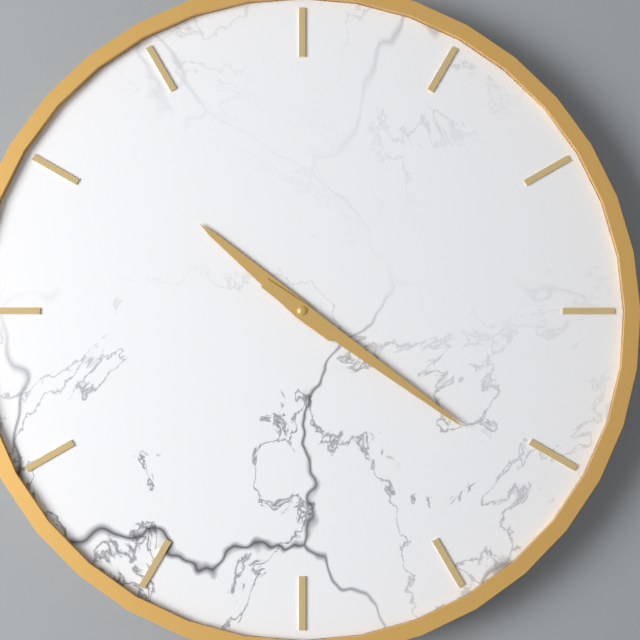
10:21
